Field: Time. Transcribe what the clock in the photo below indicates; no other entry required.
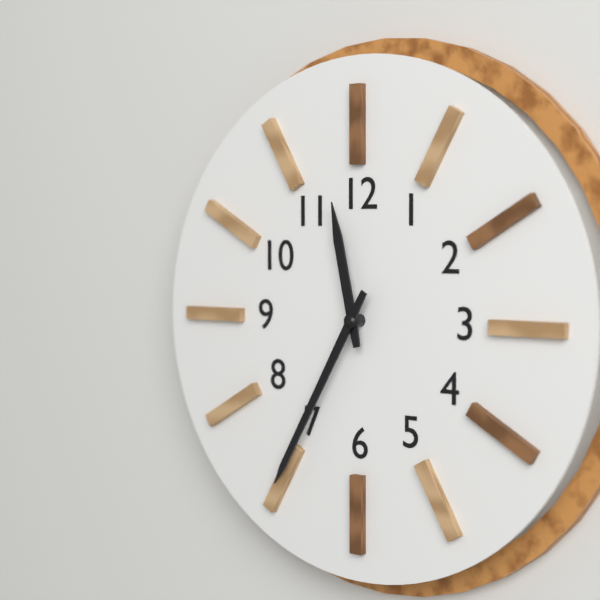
11:35
